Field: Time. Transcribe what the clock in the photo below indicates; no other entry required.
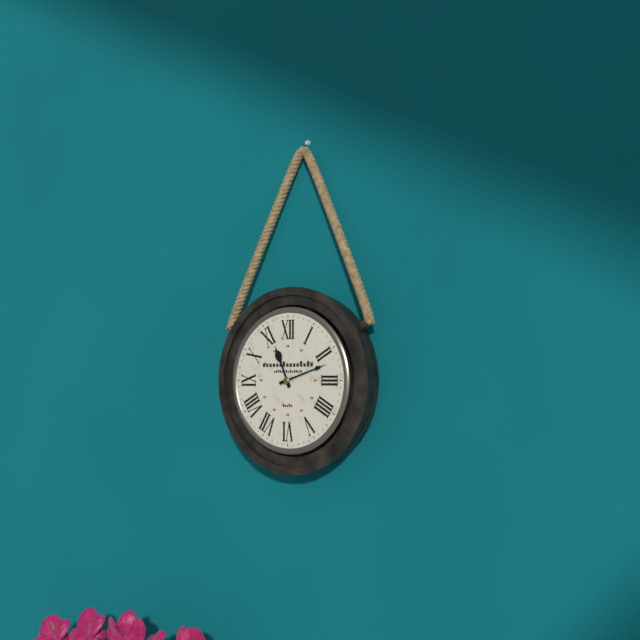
11:12
